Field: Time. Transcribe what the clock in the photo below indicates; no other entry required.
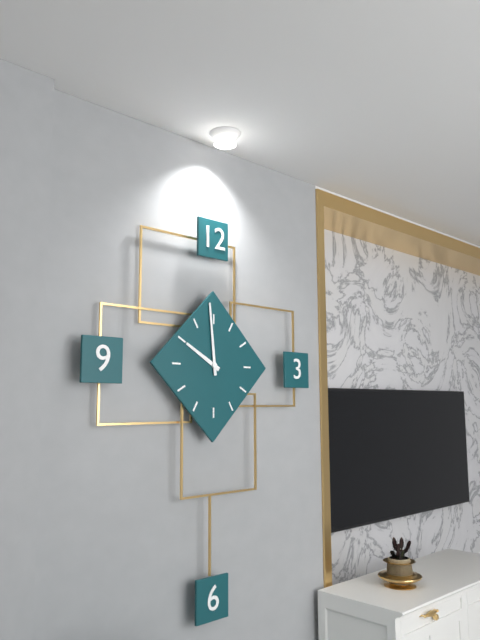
9:59
